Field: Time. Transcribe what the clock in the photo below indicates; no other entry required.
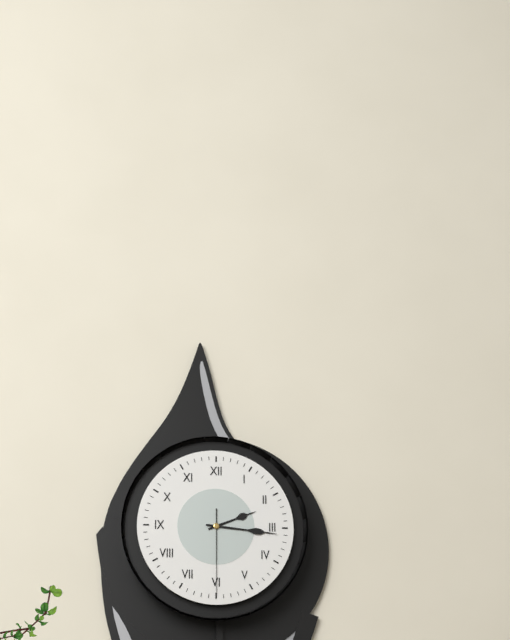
2:16:30
